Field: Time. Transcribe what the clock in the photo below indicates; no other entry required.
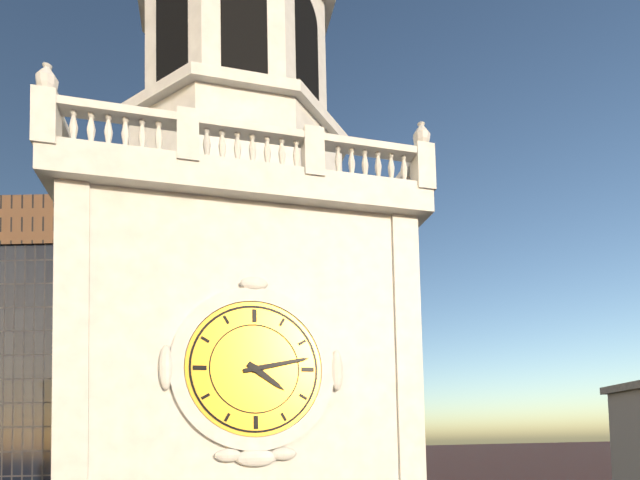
4:13
